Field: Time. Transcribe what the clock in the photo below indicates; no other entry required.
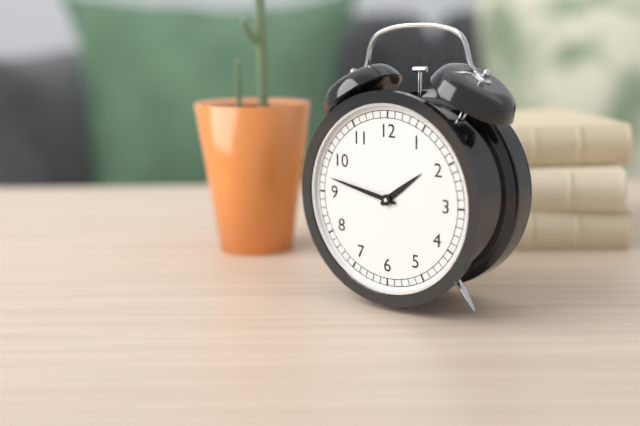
1:47
